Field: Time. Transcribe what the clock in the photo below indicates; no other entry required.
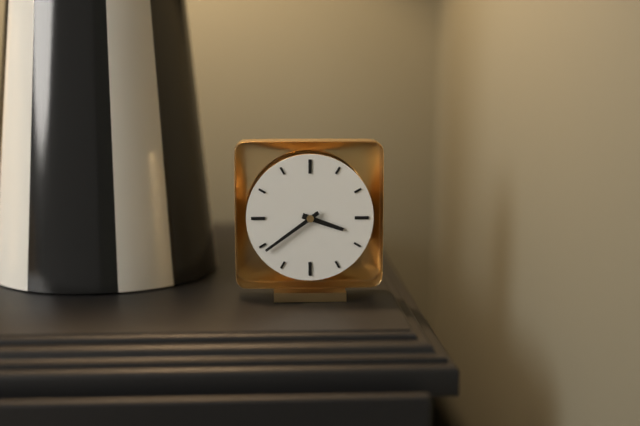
3:39
